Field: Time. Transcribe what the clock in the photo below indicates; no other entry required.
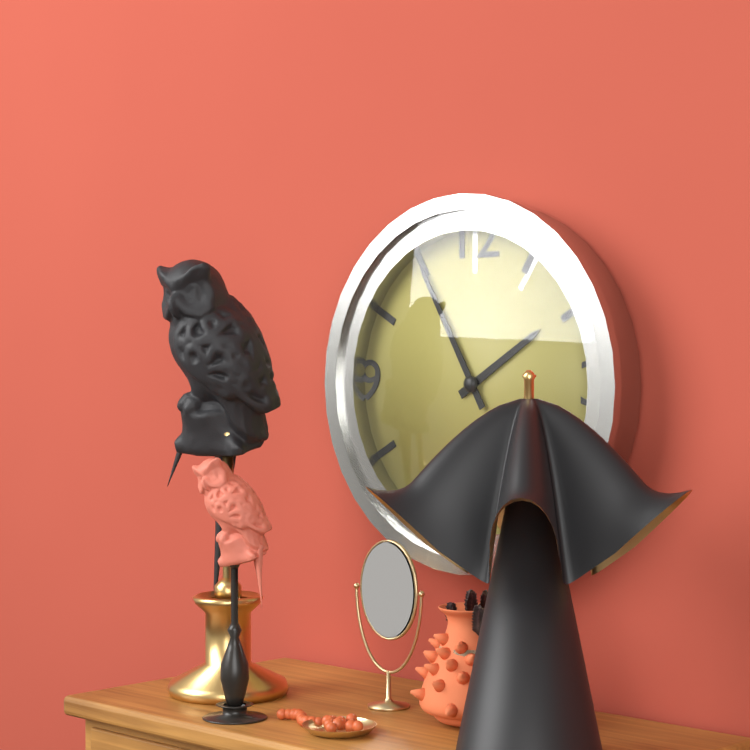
1:55
